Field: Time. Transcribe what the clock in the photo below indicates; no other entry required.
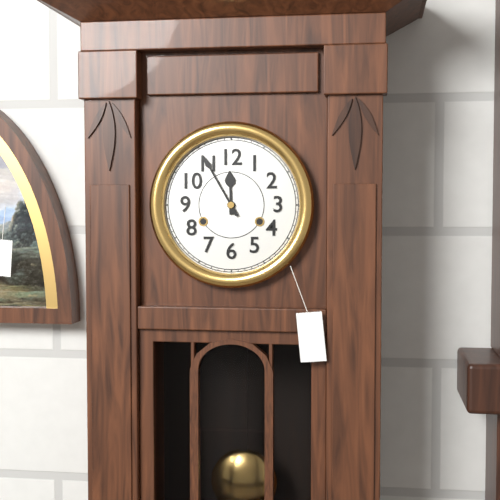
11:55
